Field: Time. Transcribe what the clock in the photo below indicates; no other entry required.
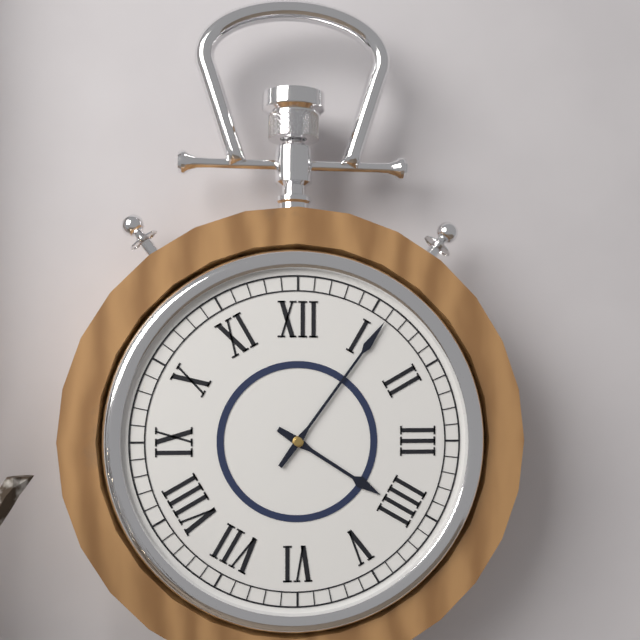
4:06
